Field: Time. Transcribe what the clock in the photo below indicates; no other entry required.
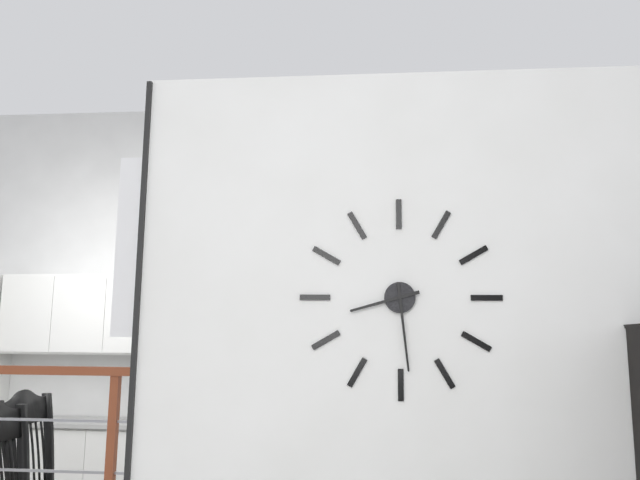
8:29
